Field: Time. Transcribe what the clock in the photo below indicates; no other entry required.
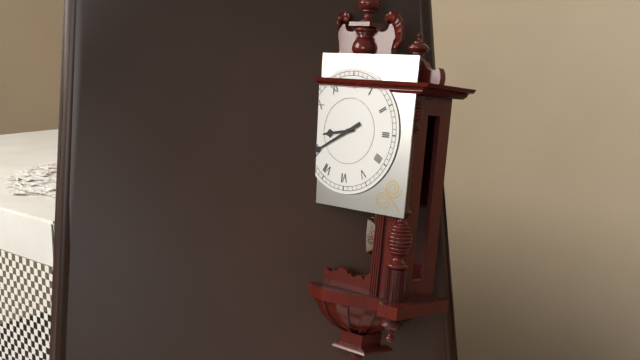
8:40
